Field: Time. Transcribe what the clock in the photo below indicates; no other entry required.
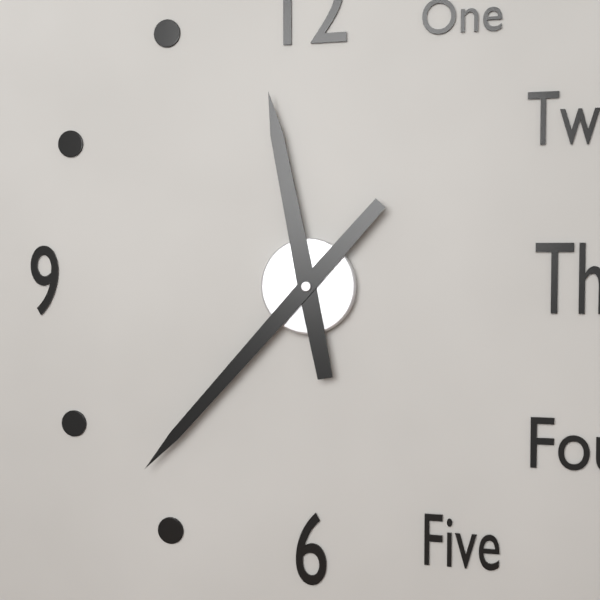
11:37
